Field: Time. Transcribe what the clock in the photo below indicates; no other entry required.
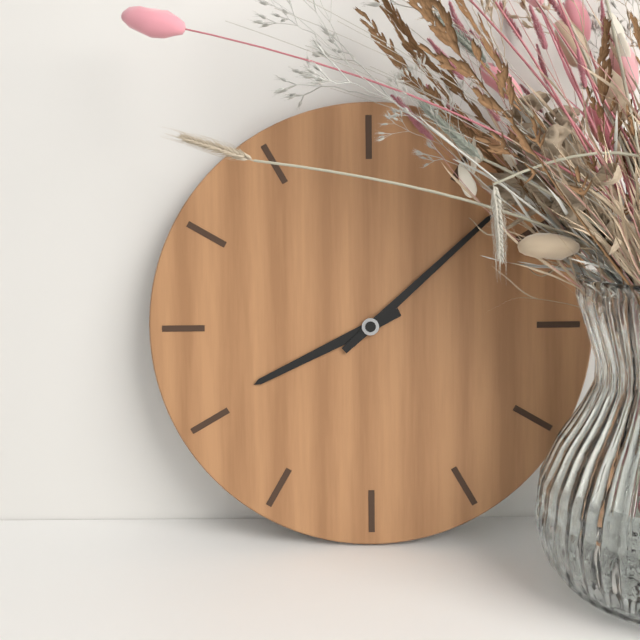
8:08
